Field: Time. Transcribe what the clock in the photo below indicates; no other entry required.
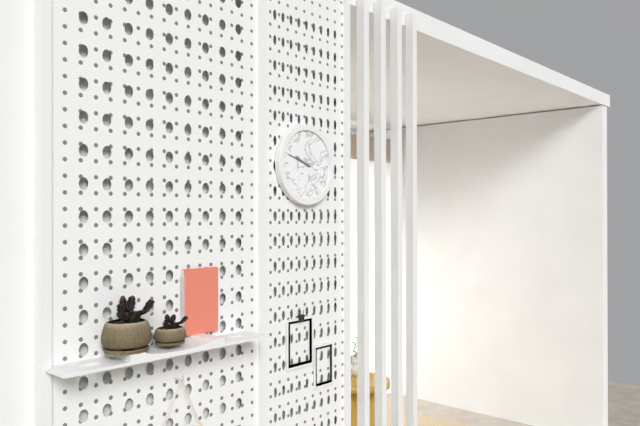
9:48
